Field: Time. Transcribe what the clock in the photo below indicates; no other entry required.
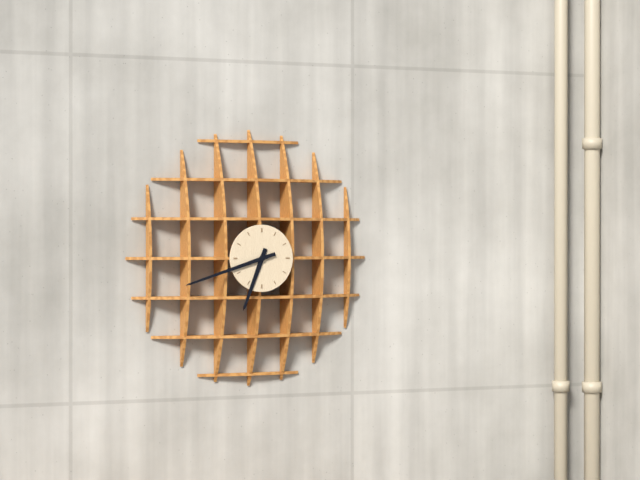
6:42
